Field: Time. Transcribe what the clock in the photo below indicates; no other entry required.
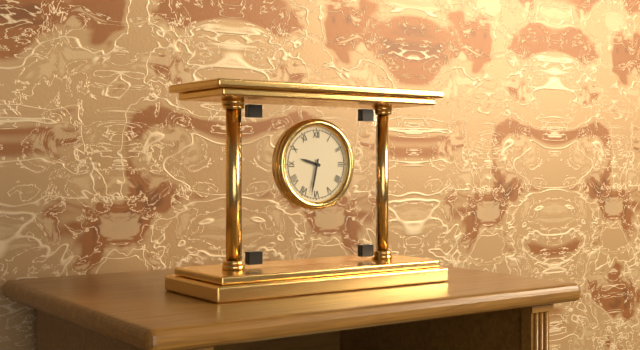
9:32
